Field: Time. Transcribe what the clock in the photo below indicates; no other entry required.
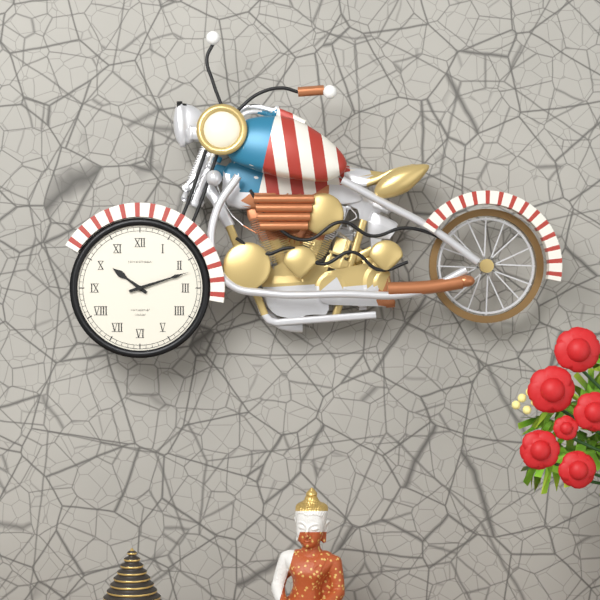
10:12
